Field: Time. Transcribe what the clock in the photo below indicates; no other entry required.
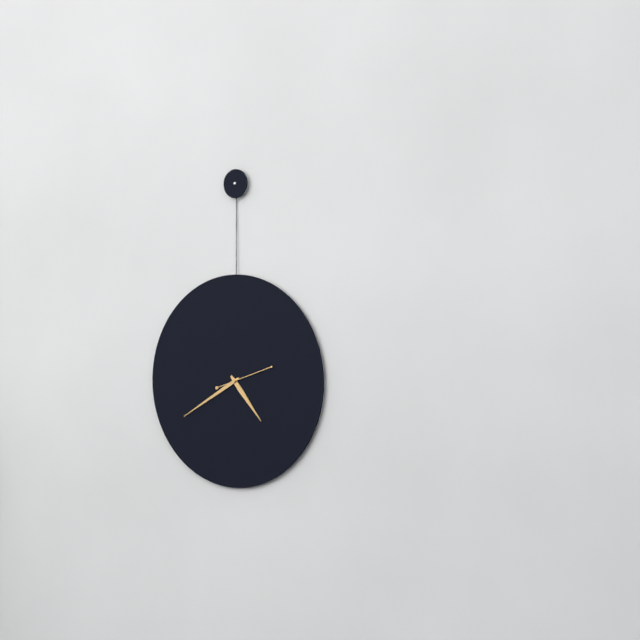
4:40:12
